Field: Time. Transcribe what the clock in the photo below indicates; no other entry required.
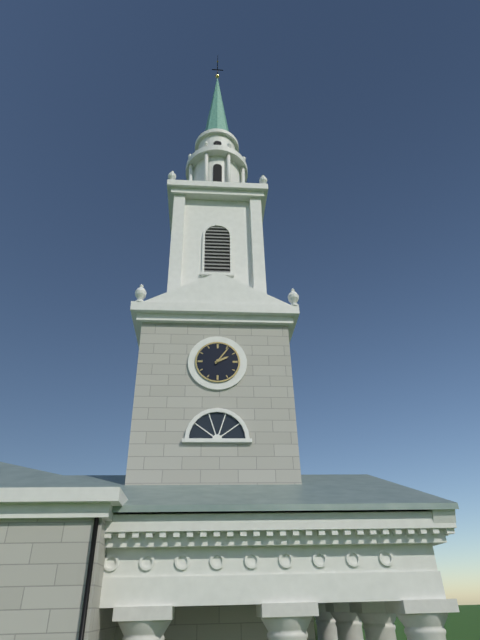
2:06
